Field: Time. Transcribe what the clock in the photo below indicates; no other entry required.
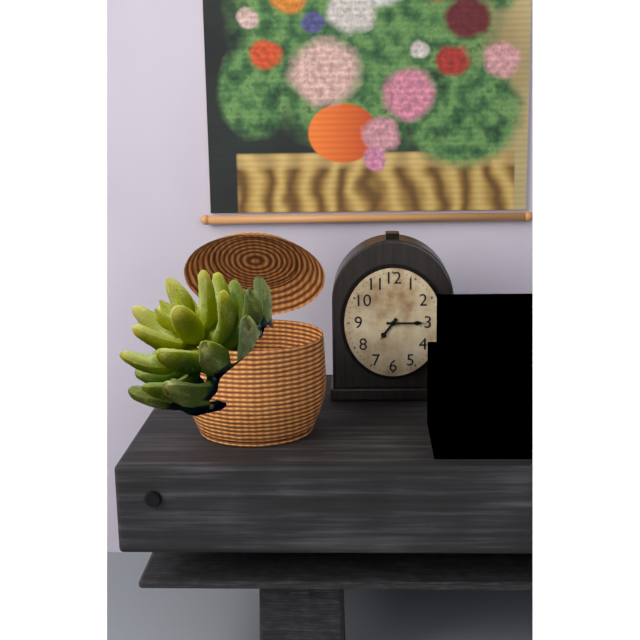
7:15
